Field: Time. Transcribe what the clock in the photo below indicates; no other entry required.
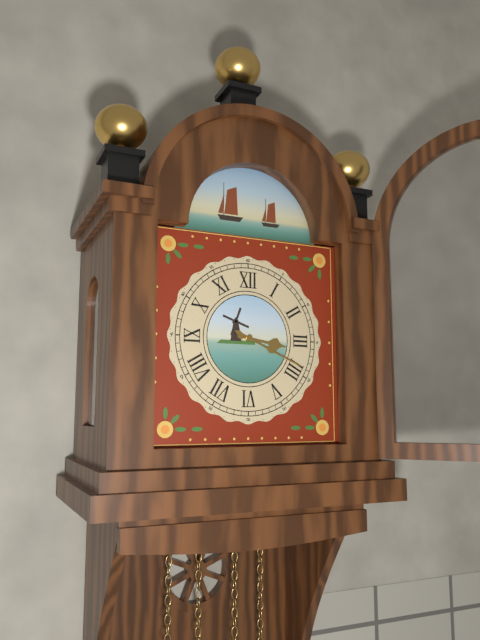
3:19
